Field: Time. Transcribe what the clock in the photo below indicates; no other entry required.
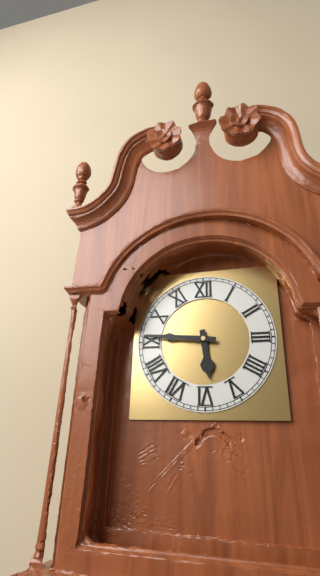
5:46
